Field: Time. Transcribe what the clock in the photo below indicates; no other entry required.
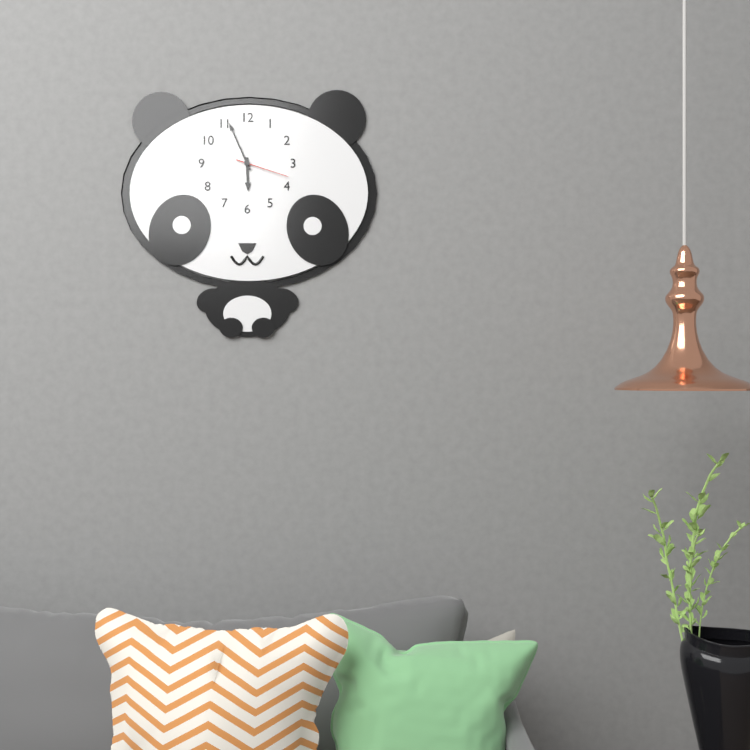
5:56:18
